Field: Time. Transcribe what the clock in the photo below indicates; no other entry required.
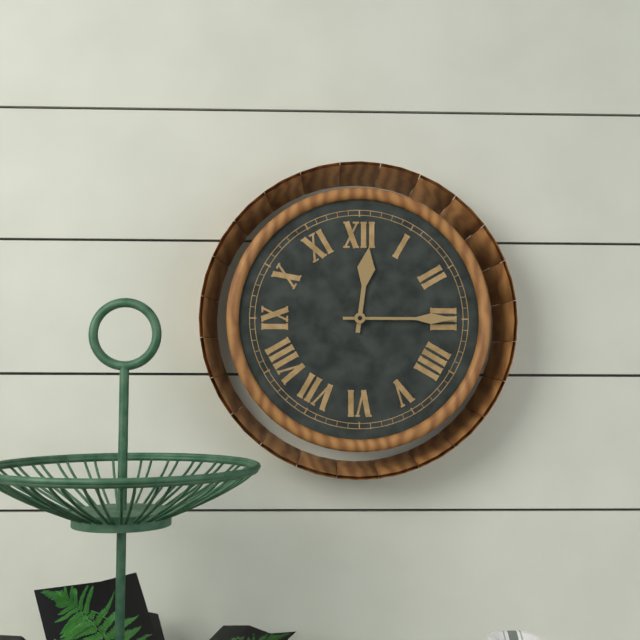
12:15
